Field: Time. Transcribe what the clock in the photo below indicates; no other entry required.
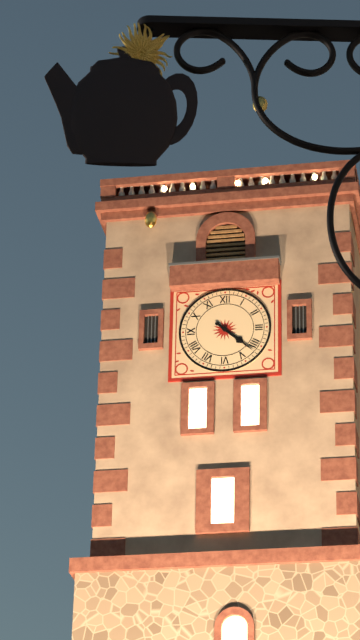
4:22
